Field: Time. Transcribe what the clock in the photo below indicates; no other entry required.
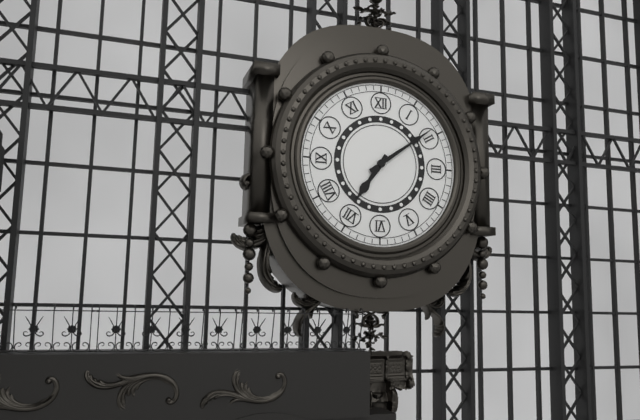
7:09
